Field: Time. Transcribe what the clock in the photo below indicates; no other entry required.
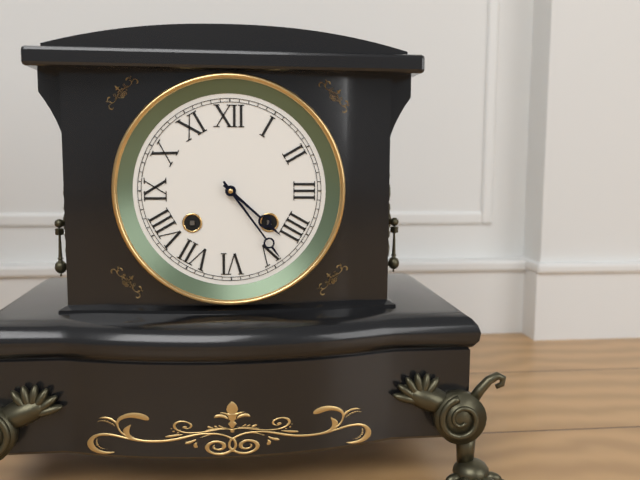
4:24
